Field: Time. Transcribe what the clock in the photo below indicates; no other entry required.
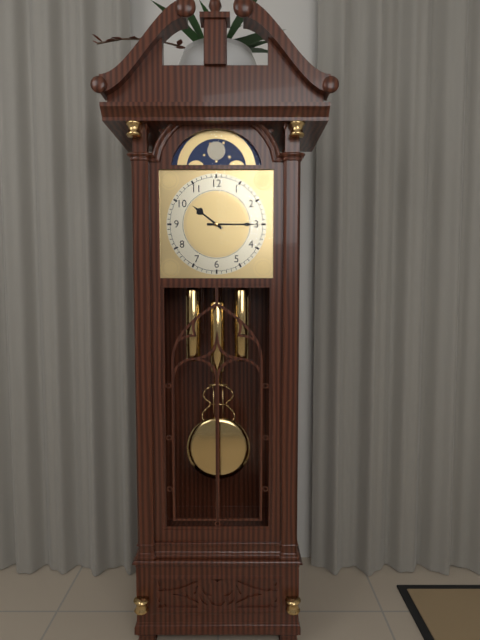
10:15
